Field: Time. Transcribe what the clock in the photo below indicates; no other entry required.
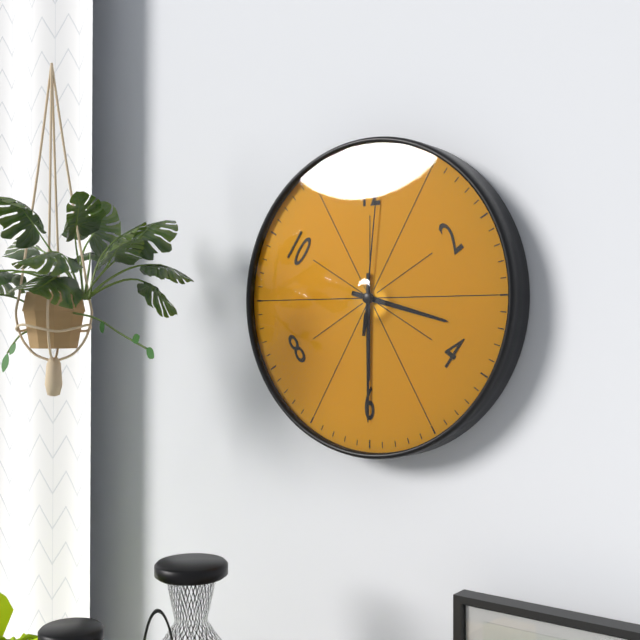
3:30:01
